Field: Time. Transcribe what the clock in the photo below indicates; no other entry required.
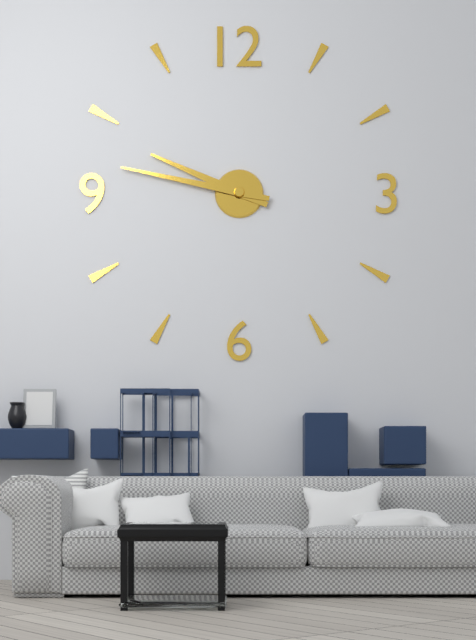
9:47
